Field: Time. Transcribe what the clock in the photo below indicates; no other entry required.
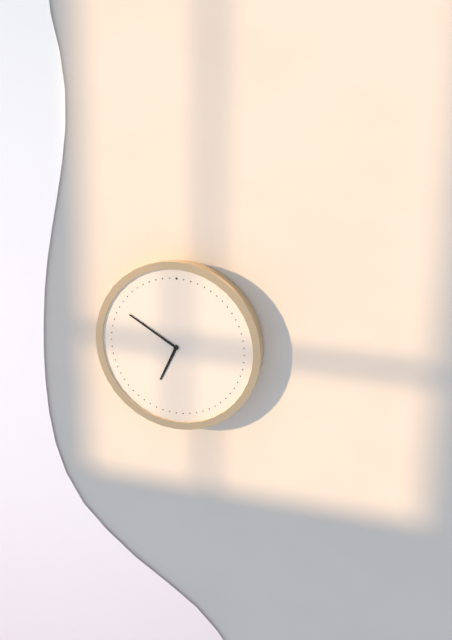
6:50
